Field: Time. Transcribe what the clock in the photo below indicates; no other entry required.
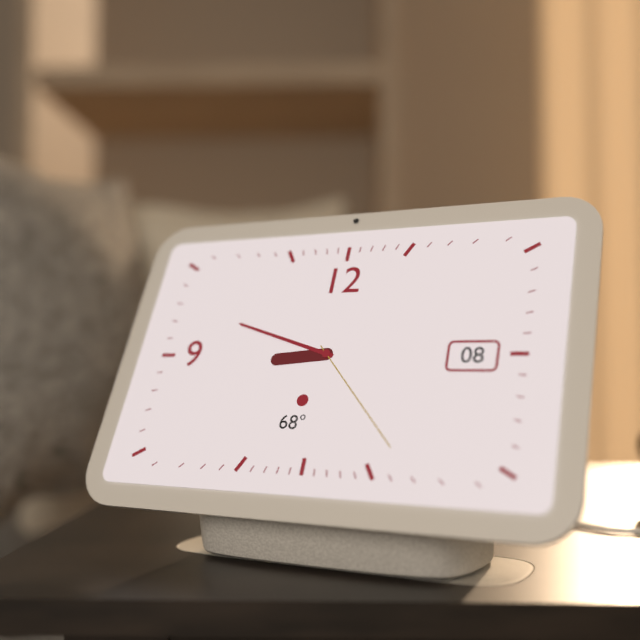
8:48:23
